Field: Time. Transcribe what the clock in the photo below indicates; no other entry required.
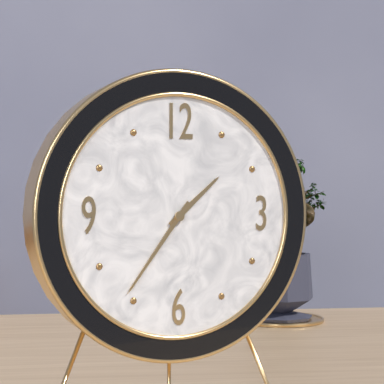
1:36
